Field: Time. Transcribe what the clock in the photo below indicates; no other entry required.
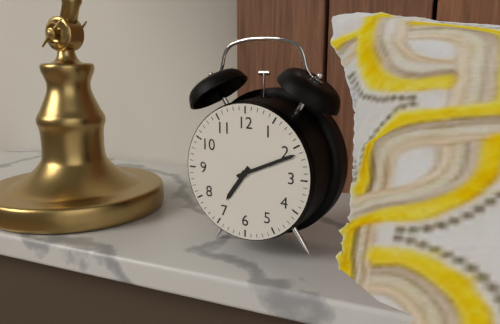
7:11
